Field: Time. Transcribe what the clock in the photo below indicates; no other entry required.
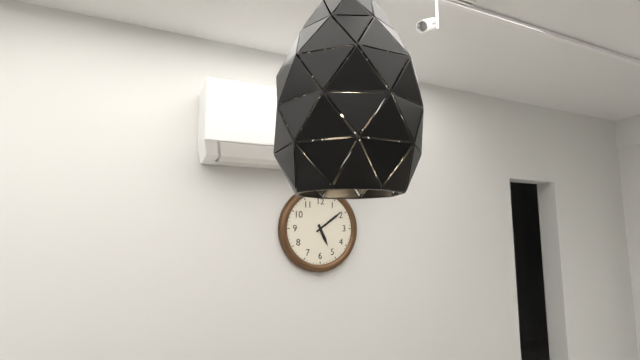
5:09
